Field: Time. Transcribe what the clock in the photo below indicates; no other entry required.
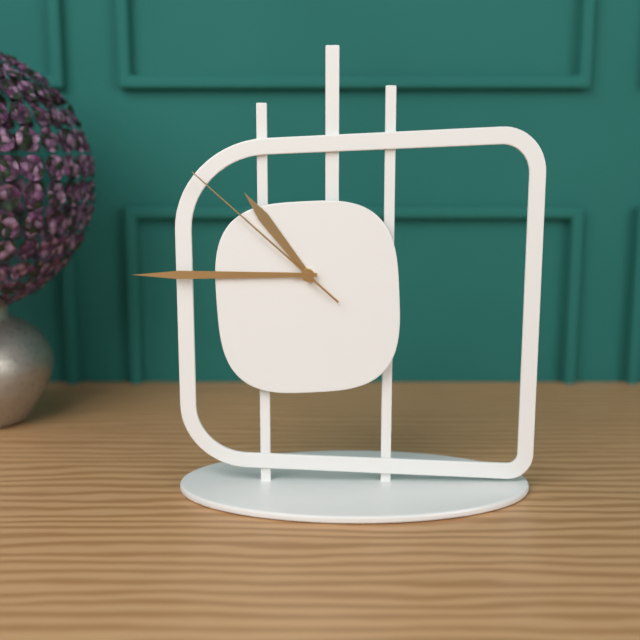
10:45:52
